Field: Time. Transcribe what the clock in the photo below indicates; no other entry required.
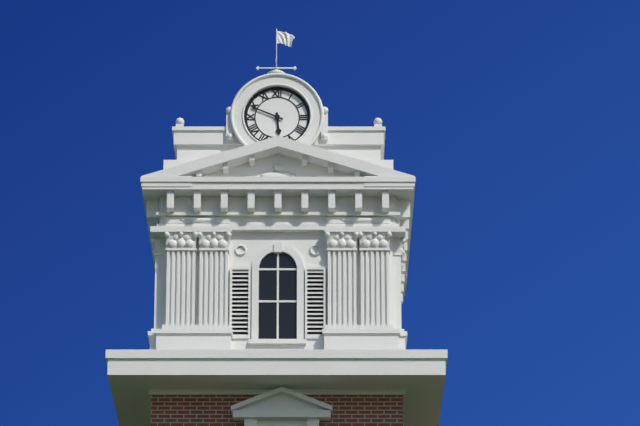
5:49
